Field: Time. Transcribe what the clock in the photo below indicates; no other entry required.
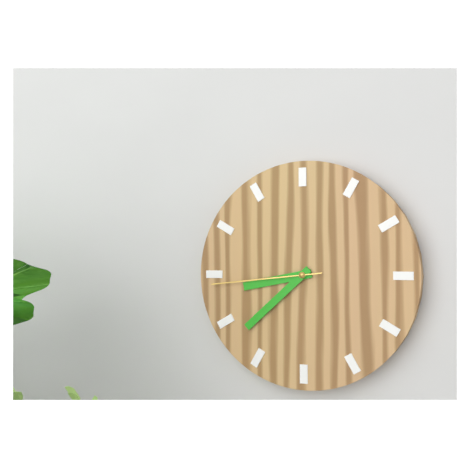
8:38:44
